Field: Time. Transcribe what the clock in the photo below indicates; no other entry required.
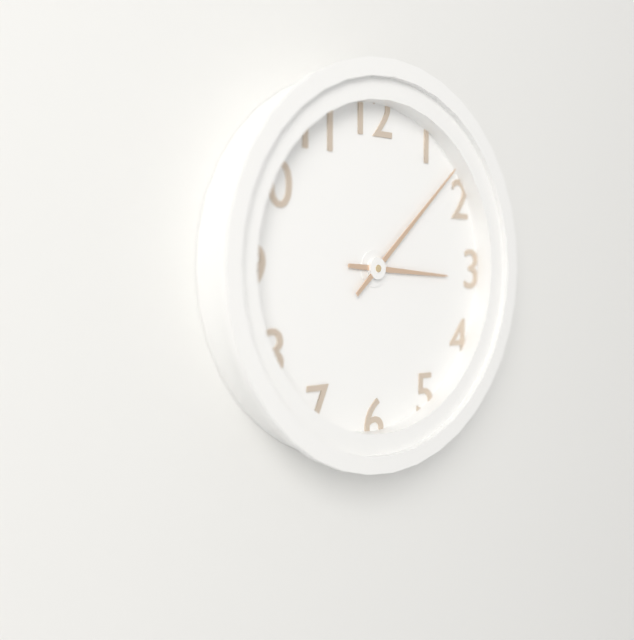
3:08
